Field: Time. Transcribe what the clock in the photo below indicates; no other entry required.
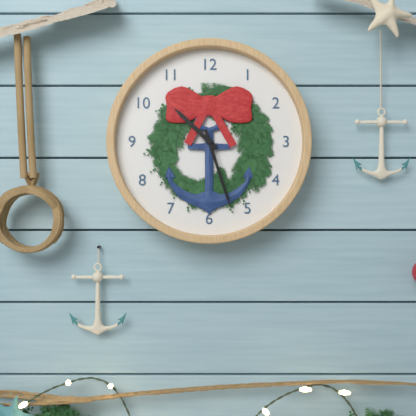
10:27
